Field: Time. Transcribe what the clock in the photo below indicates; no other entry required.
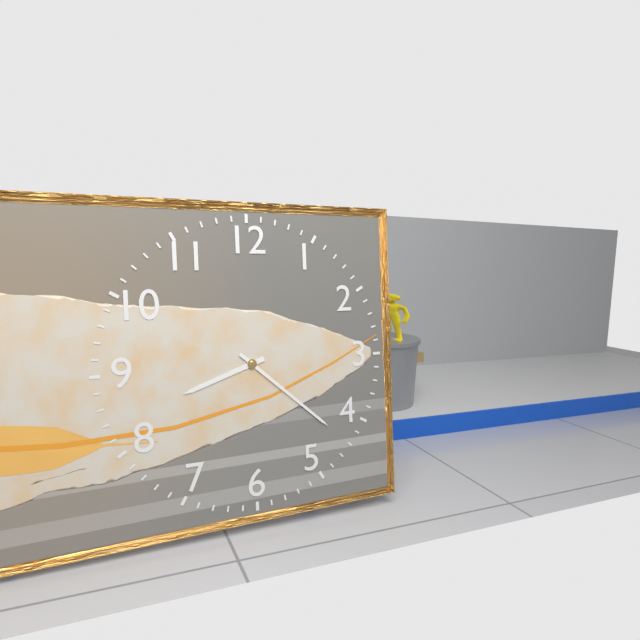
8:22
